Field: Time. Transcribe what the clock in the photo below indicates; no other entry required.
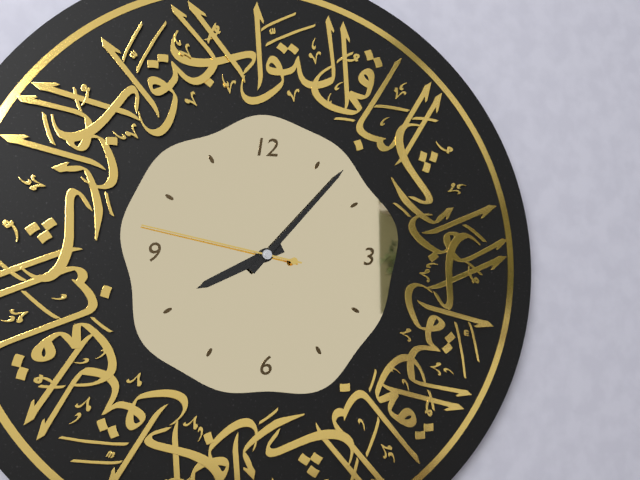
8:07:47
